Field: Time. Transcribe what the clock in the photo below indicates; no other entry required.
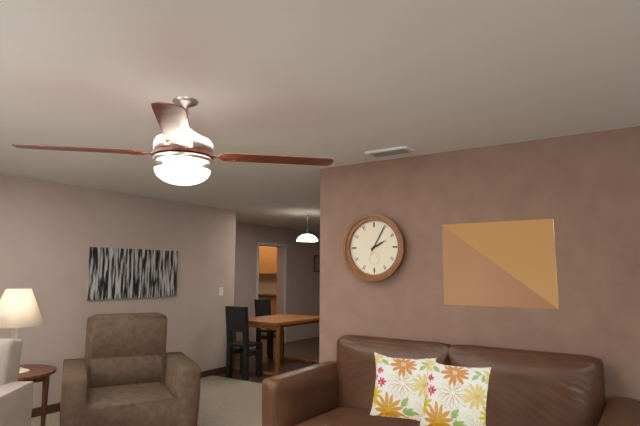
2:05
